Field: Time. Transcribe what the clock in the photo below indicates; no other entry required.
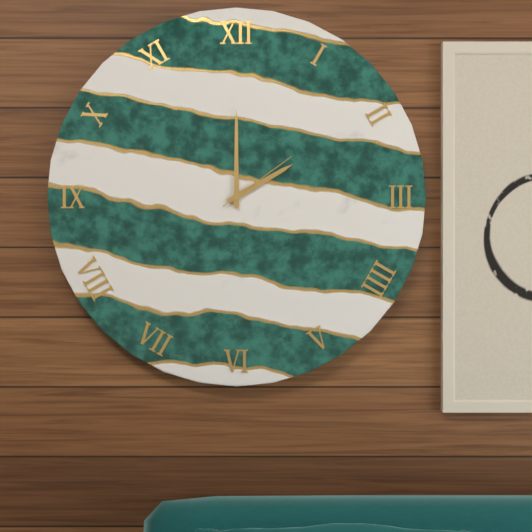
2:00:09
